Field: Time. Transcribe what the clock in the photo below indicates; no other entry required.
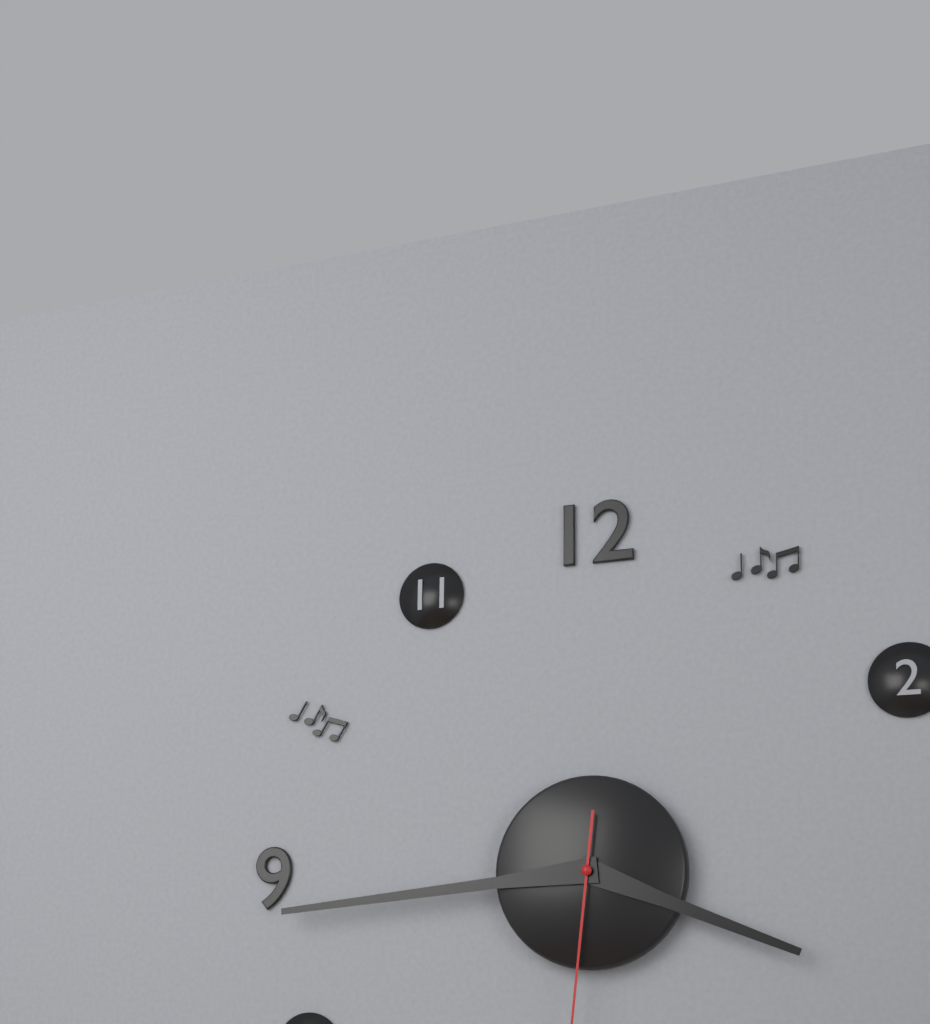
3:44
